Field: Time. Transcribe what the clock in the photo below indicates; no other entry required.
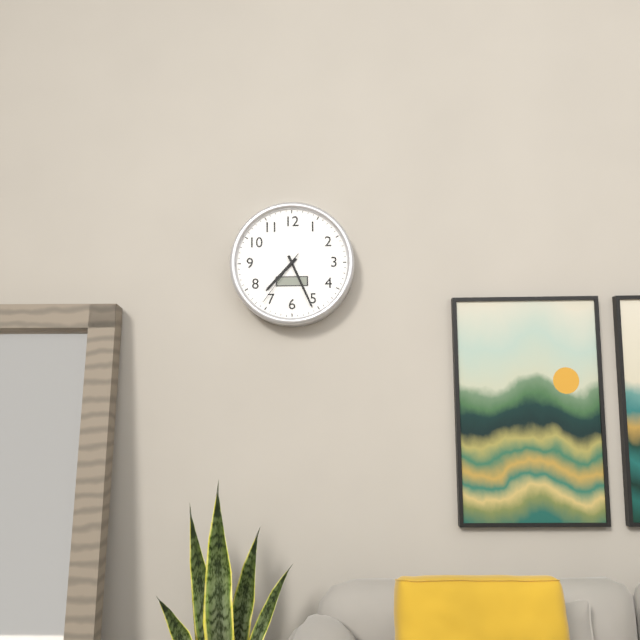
7:26:36
